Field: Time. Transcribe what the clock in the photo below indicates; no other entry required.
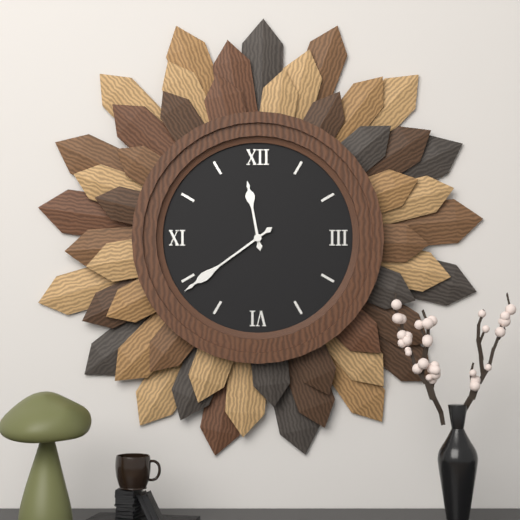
11:39
